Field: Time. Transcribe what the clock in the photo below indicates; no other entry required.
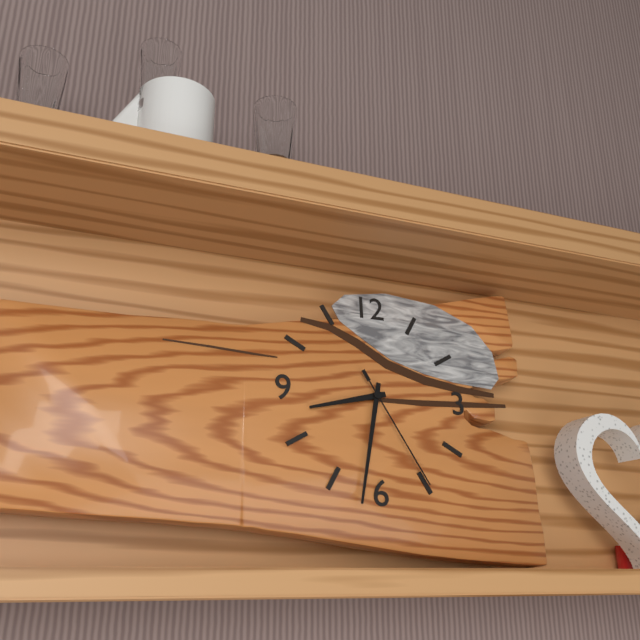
8:32:25
